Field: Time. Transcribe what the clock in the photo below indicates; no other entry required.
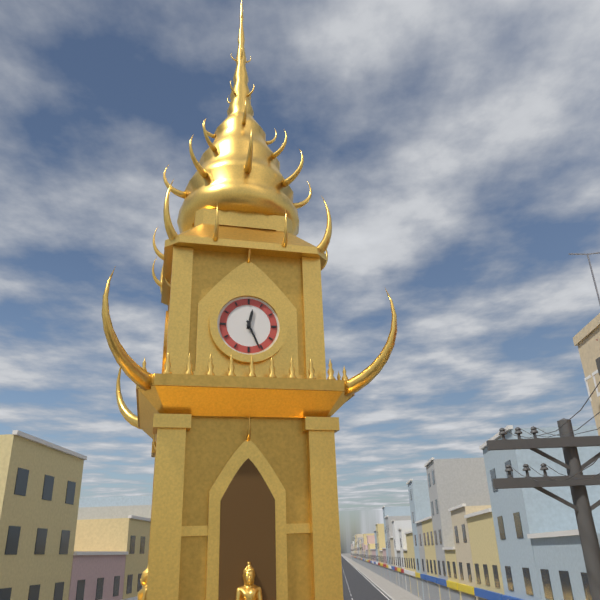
12:26
